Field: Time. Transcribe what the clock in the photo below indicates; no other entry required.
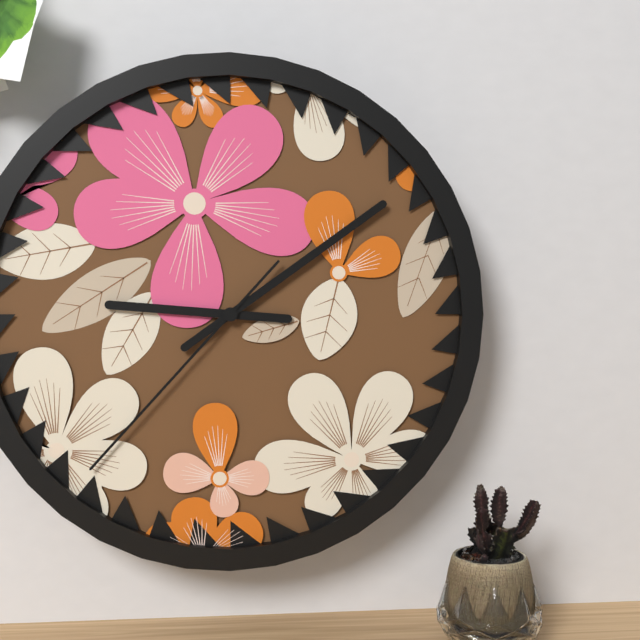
9:09:37
